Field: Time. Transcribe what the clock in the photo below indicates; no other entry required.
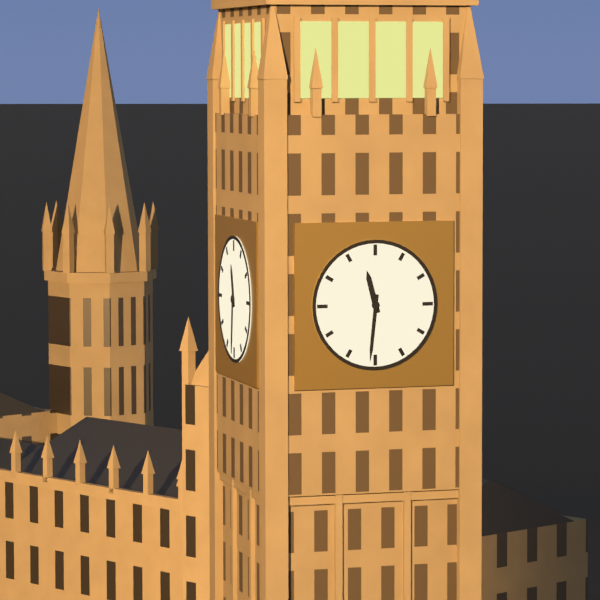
11:31
